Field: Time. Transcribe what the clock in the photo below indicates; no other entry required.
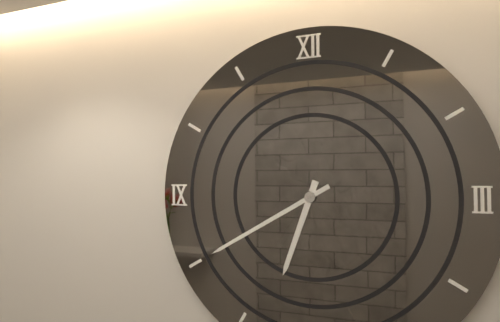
6:40
